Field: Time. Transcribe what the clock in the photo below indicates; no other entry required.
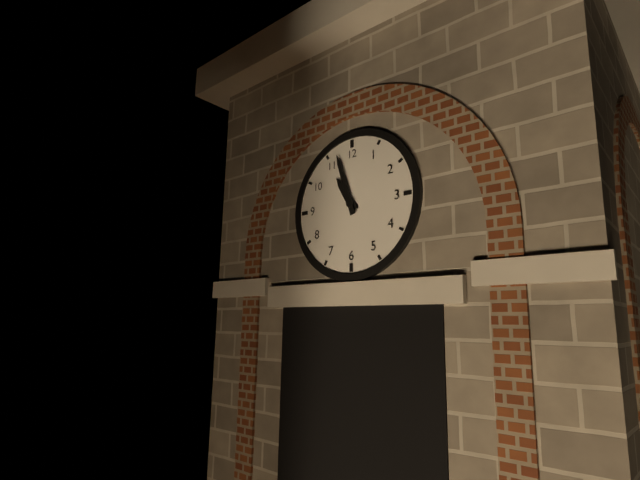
10:57
